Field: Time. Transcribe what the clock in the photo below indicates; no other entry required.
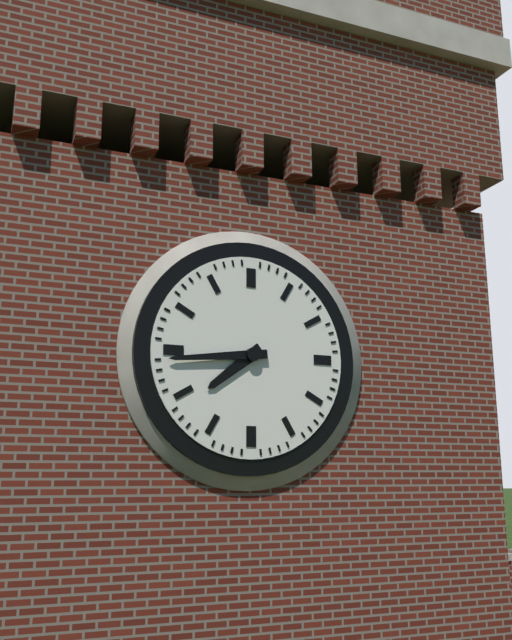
7:44
